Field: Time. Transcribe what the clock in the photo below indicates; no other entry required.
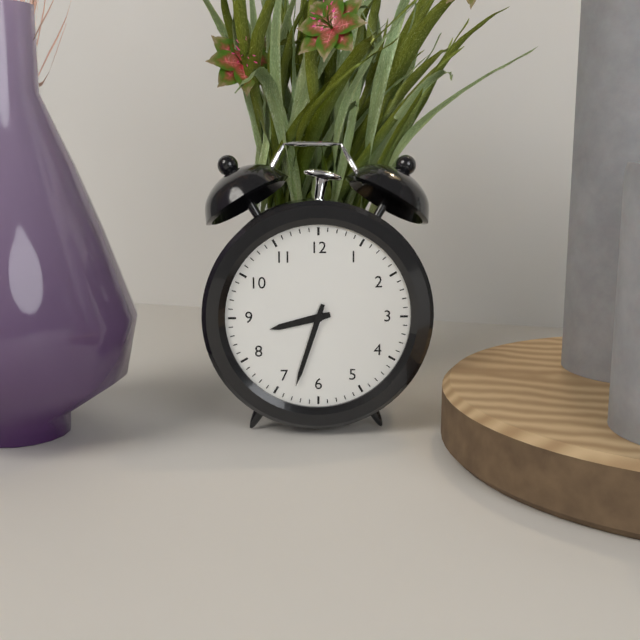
8:33
